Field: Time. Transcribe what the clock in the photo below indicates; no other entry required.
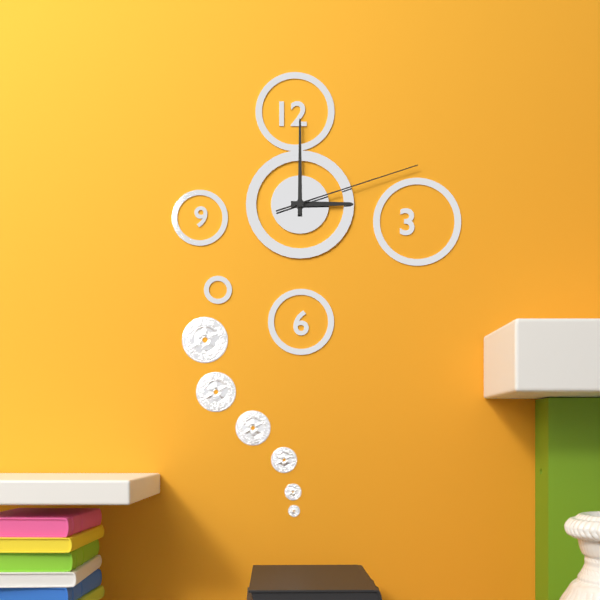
3:00:12
